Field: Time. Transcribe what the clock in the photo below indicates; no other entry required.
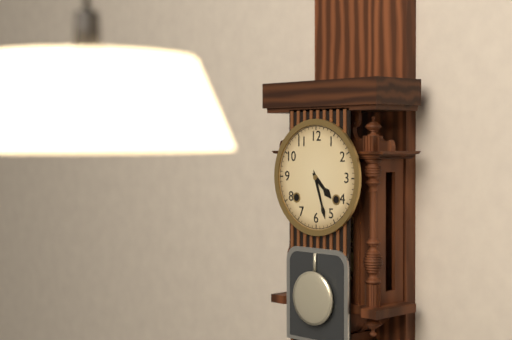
4:27
